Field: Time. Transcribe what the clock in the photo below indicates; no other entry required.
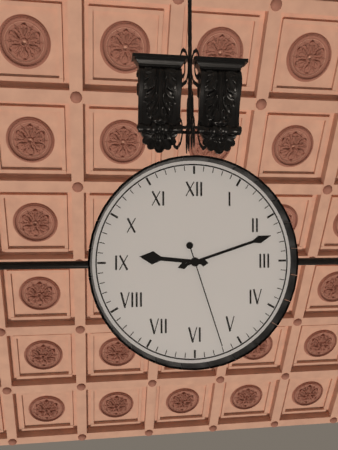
9:12:27
